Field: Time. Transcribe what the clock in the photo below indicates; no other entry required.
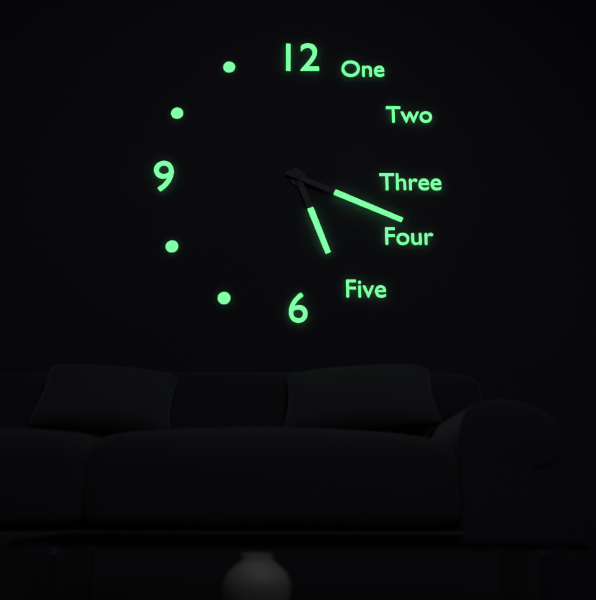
5:19
